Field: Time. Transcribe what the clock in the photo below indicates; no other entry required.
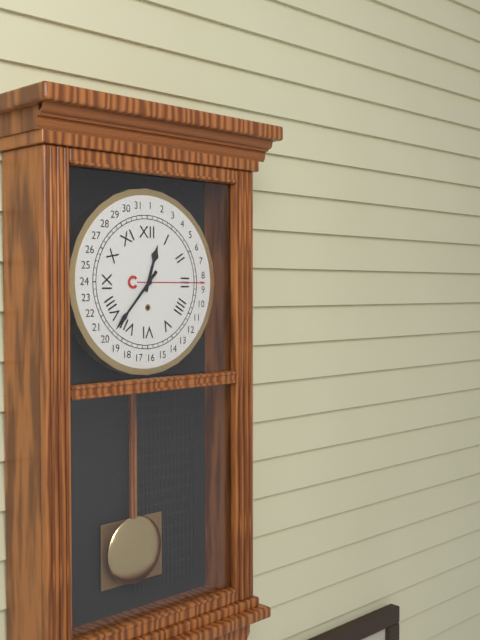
12:37
